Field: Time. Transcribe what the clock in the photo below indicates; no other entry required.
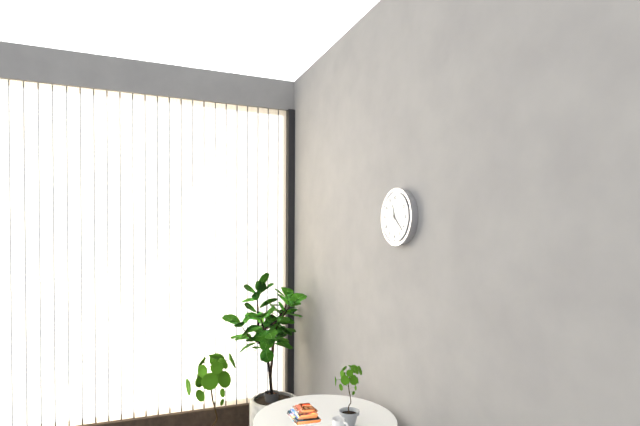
11:22
